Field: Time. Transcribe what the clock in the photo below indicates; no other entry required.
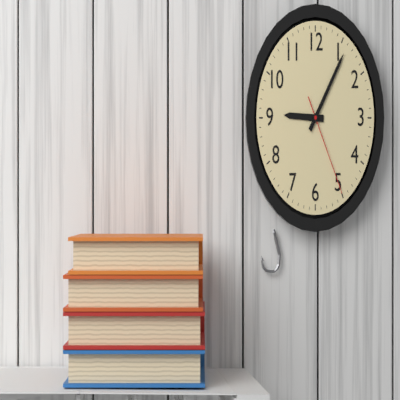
9:06:25
